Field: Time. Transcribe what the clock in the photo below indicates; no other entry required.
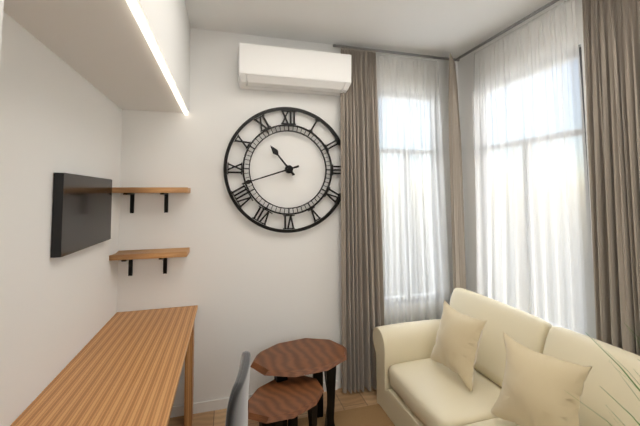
10:42
